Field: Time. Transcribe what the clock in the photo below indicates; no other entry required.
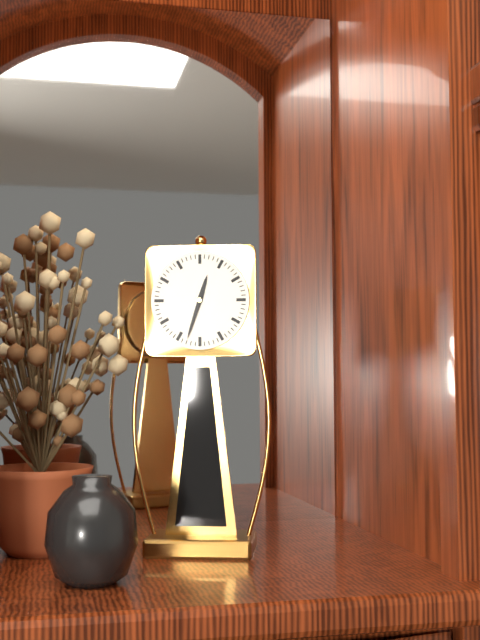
12:33
